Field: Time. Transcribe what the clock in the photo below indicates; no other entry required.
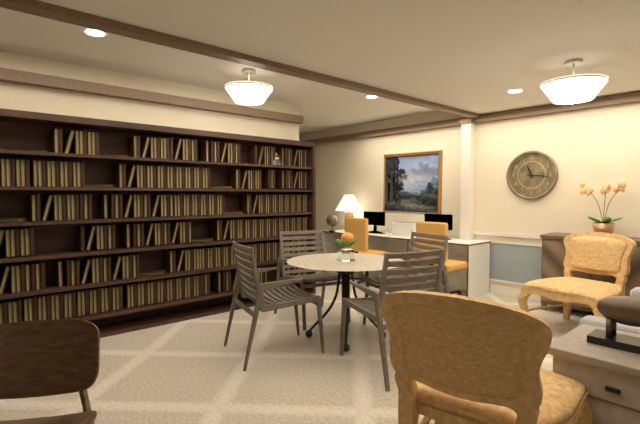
11:16
